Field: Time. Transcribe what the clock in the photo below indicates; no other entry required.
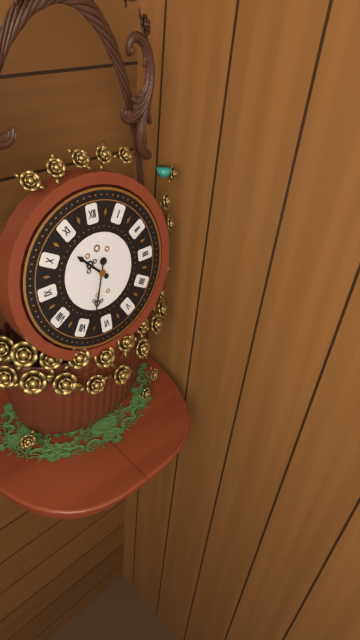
10:33
